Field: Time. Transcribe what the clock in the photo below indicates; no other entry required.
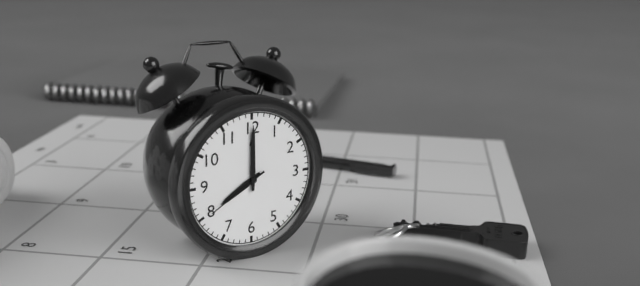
8:00:40
